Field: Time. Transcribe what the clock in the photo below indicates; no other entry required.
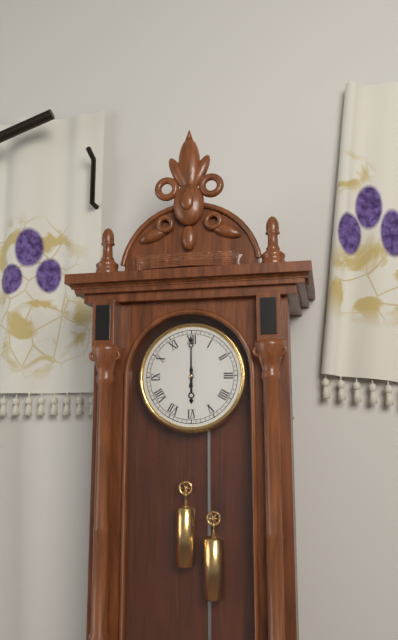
6:00
